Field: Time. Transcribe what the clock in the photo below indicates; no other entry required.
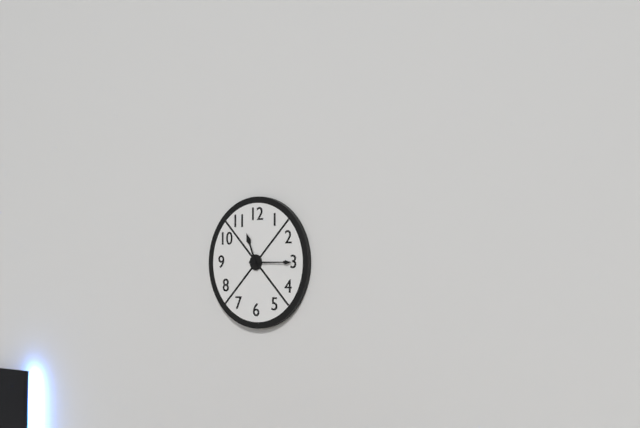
11:15
